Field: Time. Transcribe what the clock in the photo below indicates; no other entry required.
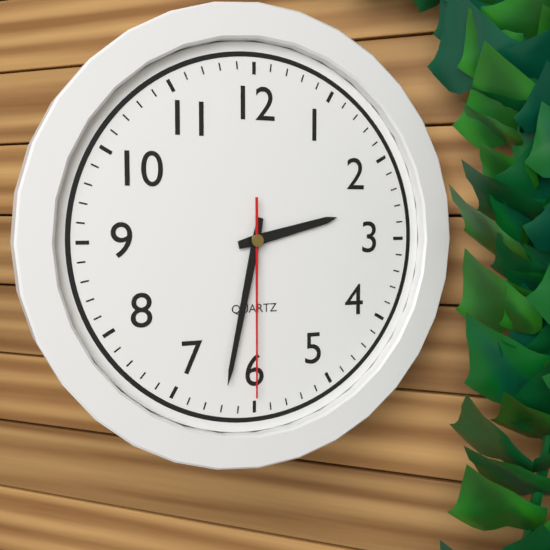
2:32:30
